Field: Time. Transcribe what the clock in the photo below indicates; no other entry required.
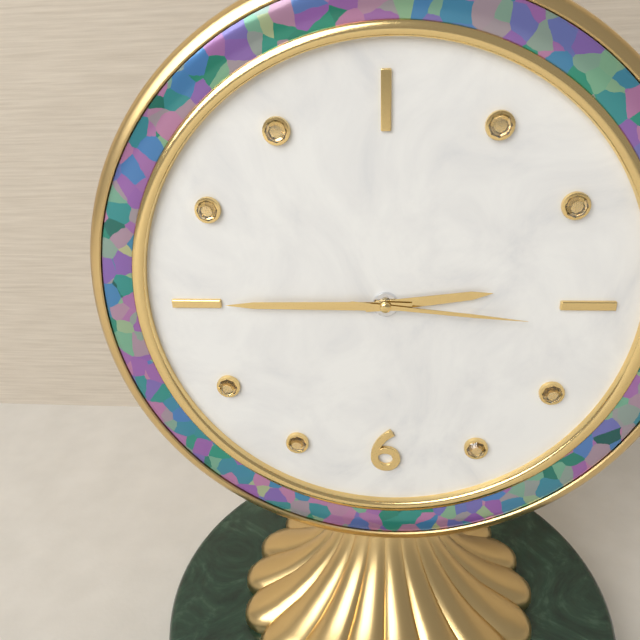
2:45:16
